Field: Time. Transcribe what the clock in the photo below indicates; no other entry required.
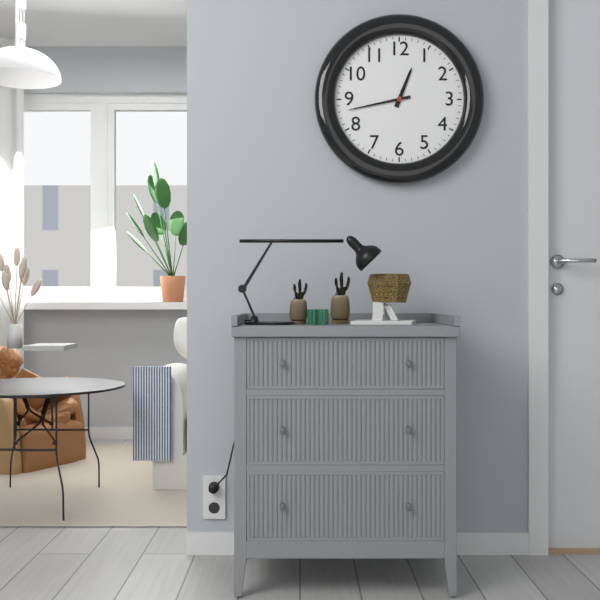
12:43
